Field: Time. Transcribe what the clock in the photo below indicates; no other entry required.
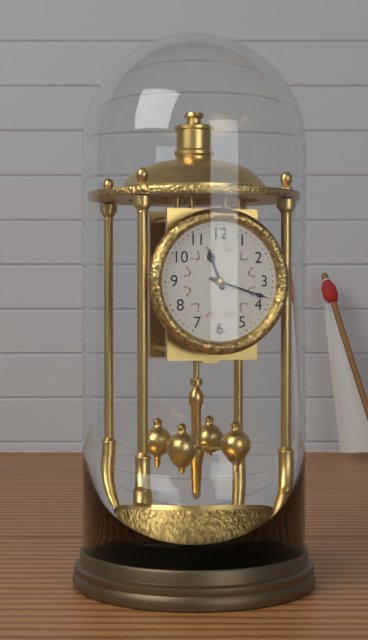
11:18
